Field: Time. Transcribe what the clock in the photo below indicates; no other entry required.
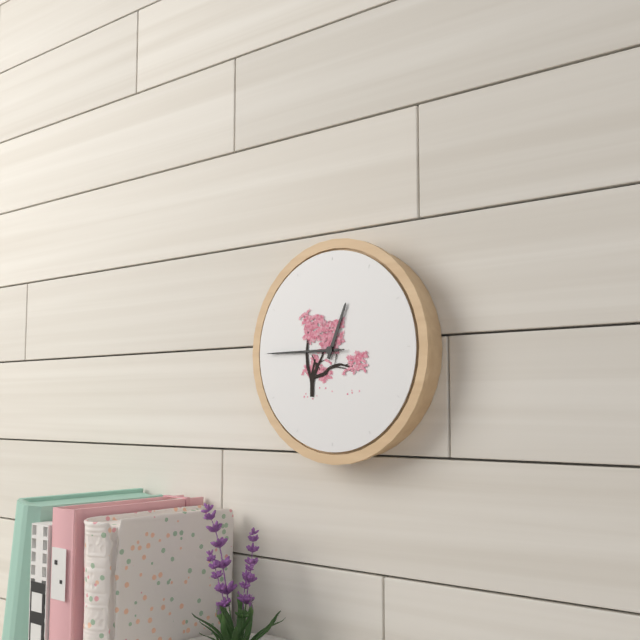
12:45:45
